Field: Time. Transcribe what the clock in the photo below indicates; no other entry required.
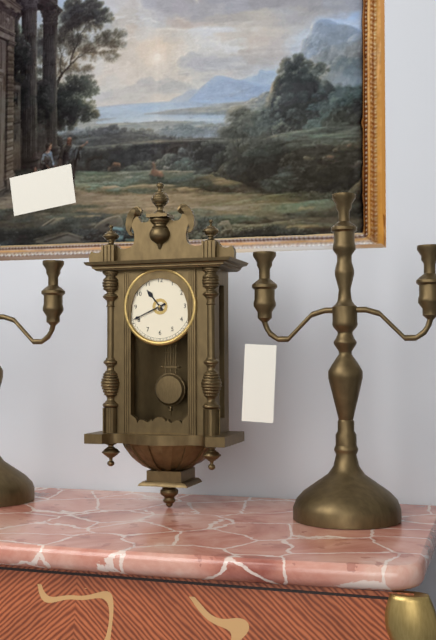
10:41
